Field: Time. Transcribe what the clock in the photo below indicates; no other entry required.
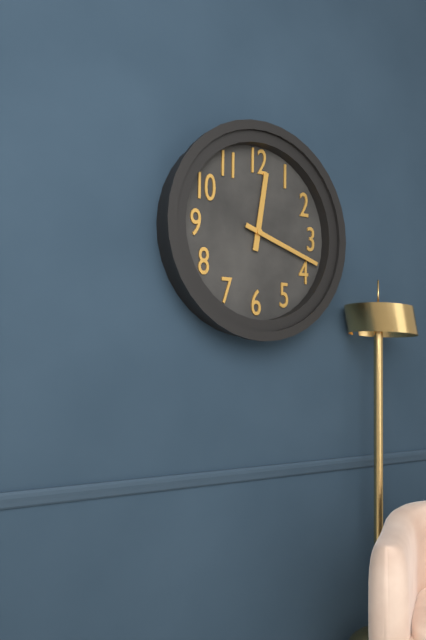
12:18
